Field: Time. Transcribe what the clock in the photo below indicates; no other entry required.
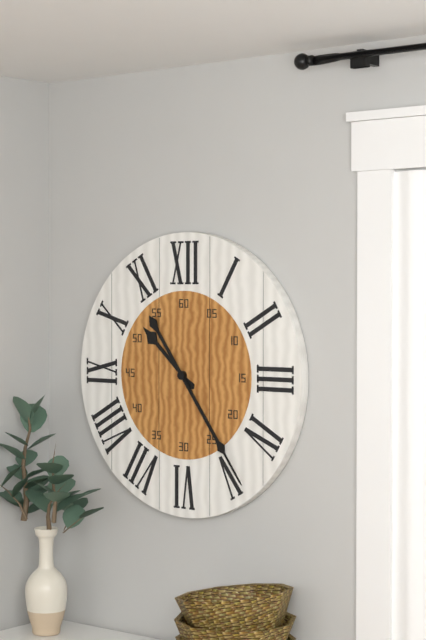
10:24
